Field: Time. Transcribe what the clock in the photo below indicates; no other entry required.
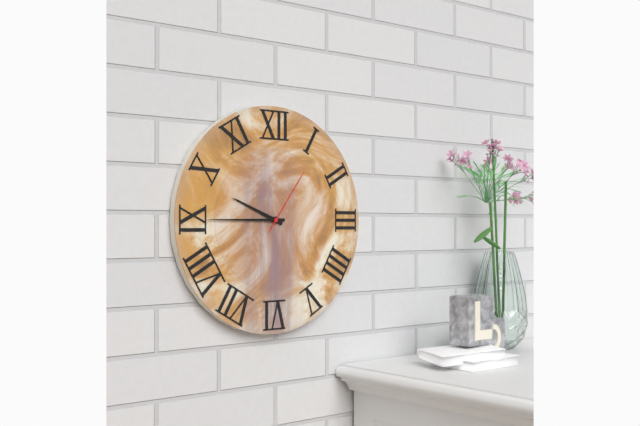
9:45:06
